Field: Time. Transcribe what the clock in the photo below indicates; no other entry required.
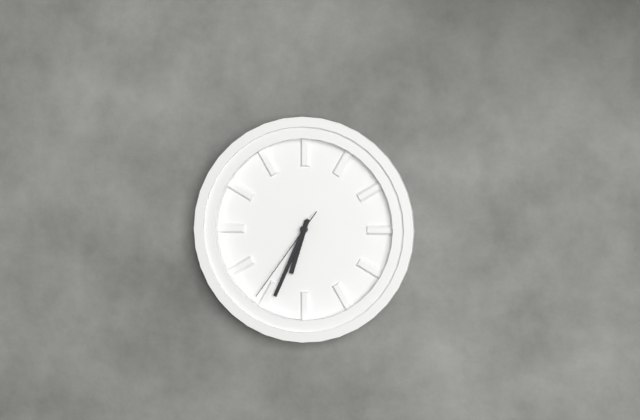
6:34:36
